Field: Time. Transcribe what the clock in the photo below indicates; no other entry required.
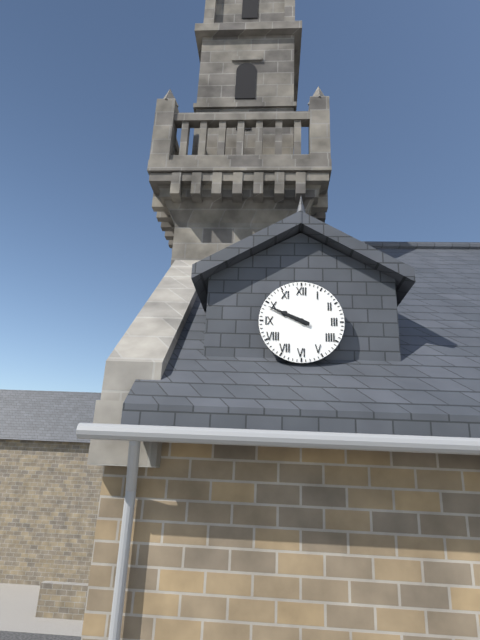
9:49
